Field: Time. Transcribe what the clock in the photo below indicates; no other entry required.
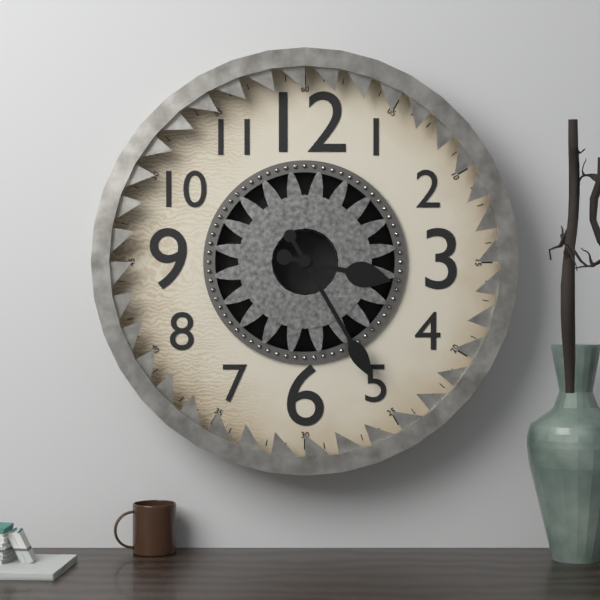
3:25
